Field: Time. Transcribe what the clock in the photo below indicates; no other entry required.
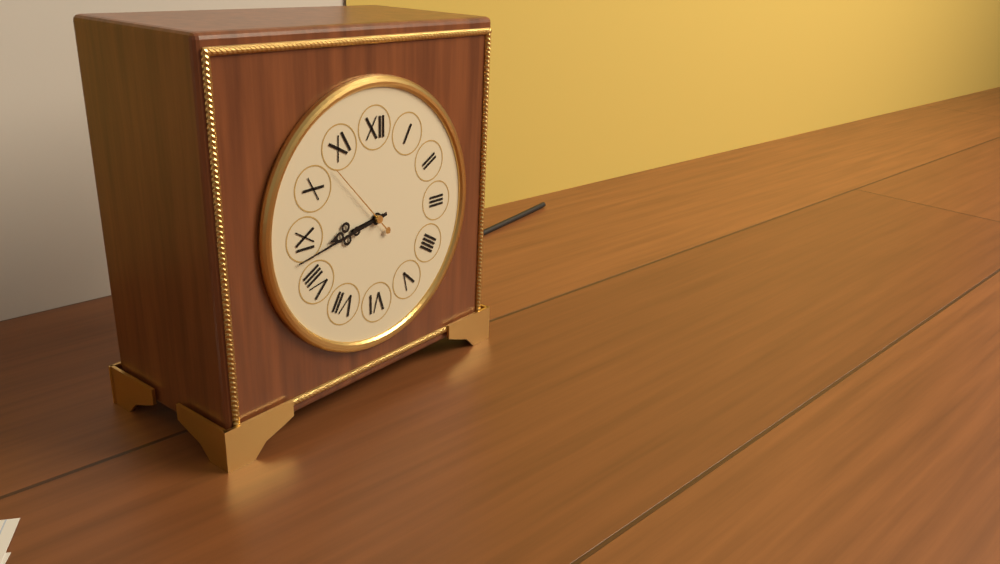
8:43:53
